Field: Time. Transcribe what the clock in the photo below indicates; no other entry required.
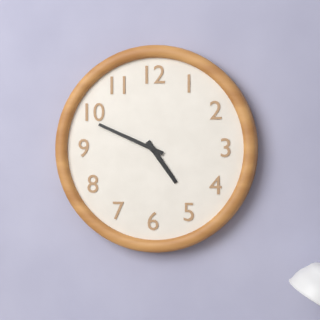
4:49
